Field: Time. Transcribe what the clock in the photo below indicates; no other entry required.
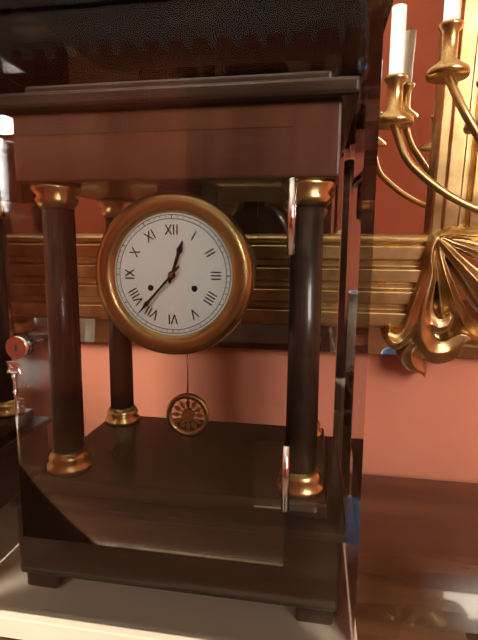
12:37
